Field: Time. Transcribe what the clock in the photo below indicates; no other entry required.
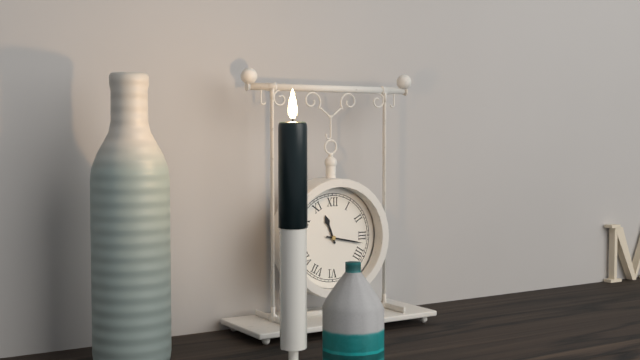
11:17
